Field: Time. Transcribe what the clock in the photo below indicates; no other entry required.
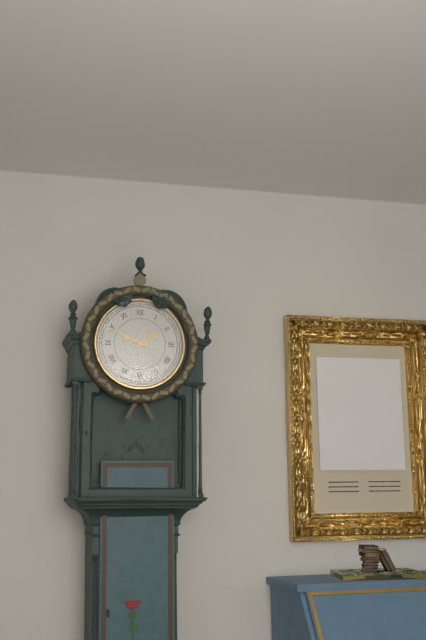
1:49
